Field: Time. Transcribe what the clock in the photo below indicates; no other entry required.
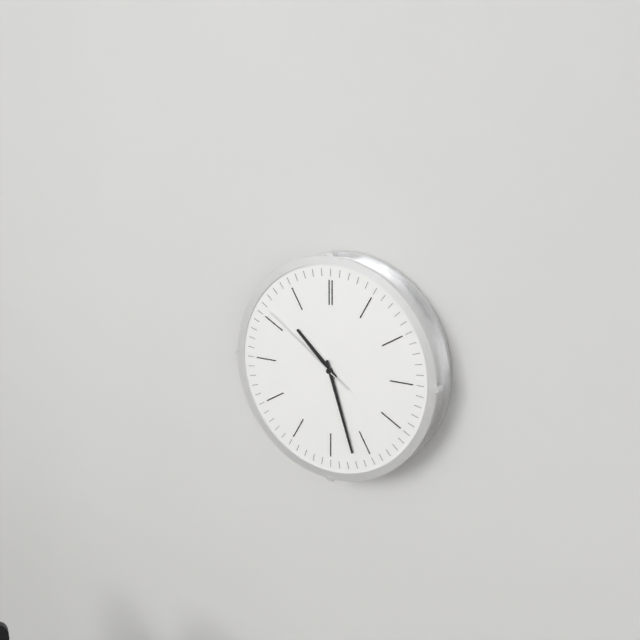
10:27:51
